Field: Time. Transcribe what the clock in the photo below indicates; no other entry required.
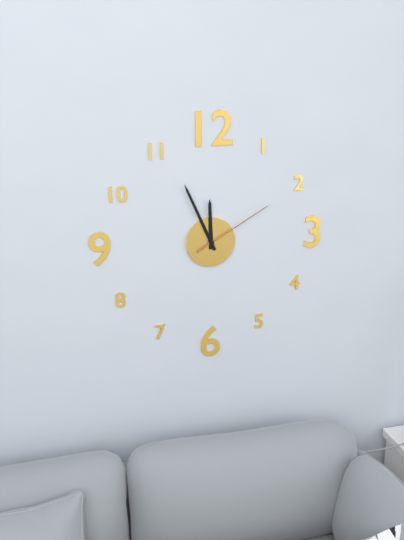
11:56:10
